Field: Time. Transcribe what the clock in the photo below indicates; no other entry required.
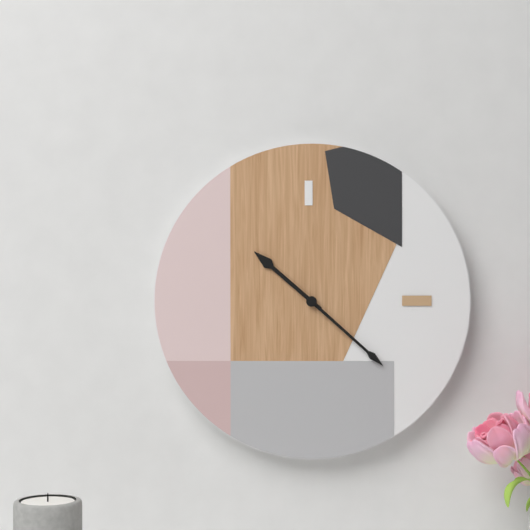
10:22
